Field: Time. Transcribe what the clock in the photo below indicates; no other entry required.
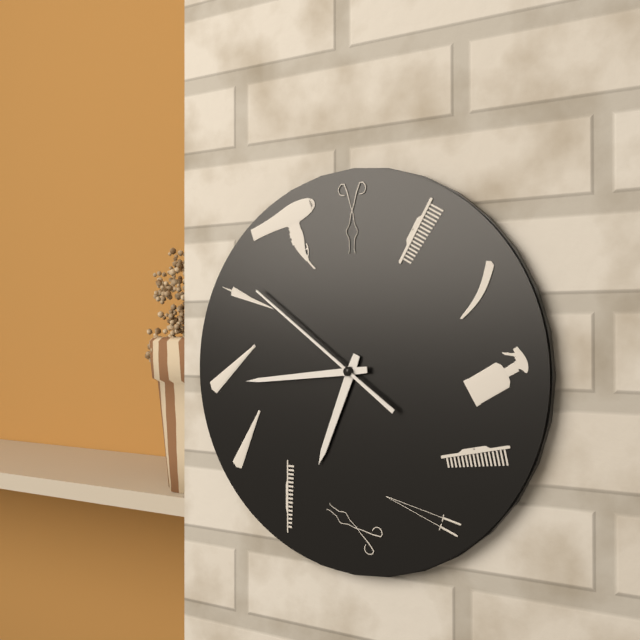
6:44:51
